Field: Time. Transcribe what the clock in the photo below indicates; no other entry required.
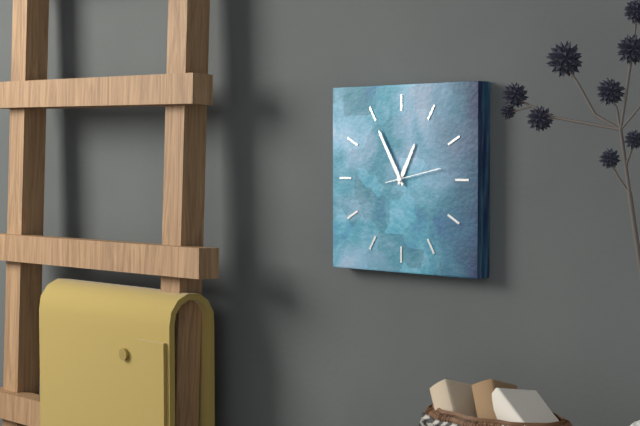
12:55:13
